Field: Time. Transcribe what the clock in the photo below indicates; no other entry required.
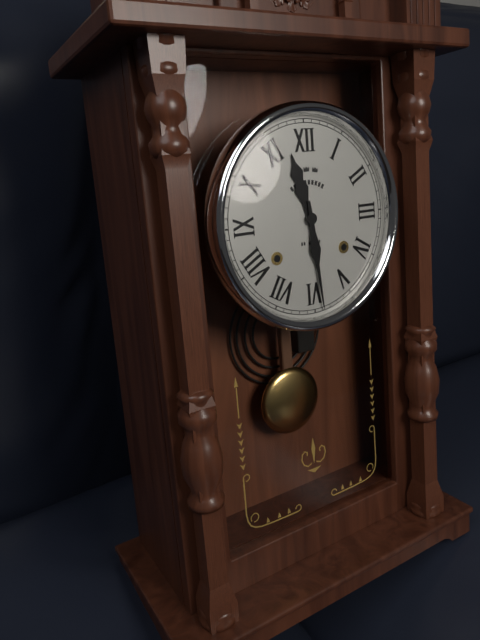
11:29
